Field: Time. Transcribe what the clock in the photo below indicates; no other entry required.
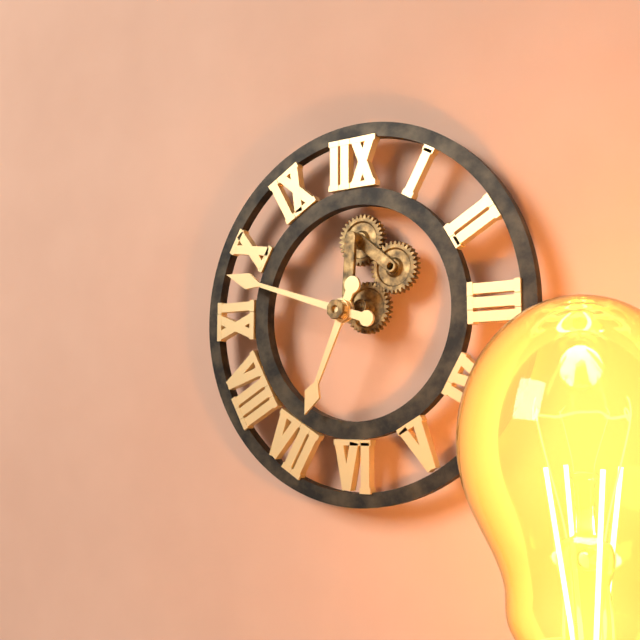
6:48
